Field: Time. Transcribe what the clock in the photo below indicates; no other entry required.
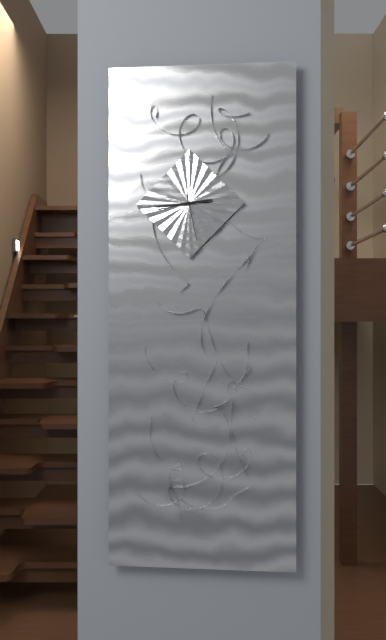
2:44
